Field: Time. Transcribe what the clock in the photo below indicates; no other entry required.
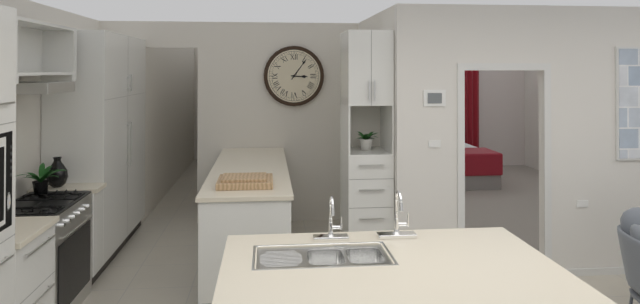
3:06
